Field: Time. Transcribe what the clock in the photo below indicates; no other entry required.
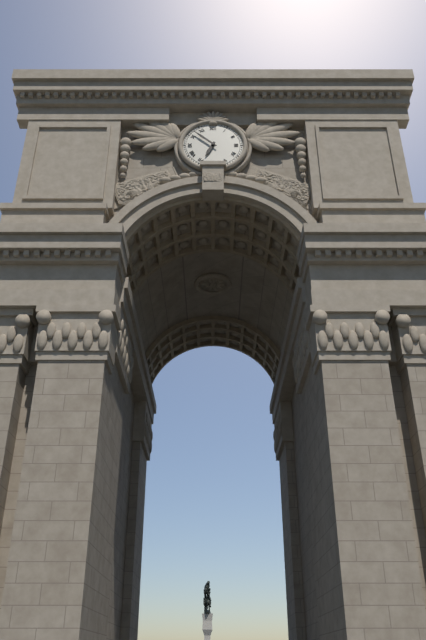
6:52
